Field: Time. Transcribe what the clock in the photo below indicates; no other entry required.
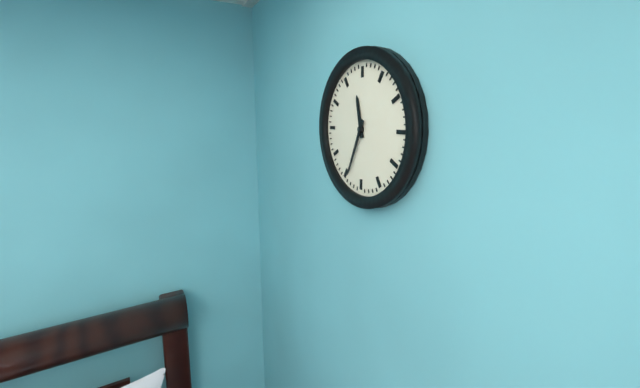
11:34
